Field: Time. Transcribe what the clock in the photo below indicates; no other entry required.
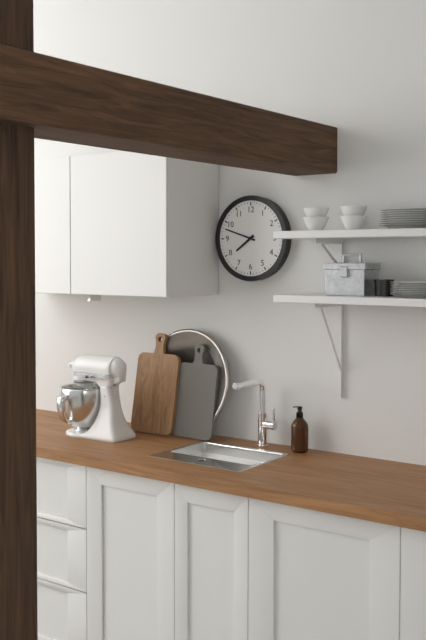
7:48
